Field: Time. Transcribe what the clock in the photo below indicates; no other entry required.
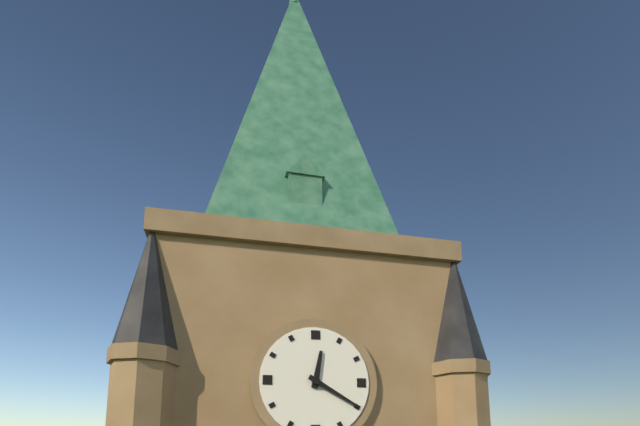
12:20
